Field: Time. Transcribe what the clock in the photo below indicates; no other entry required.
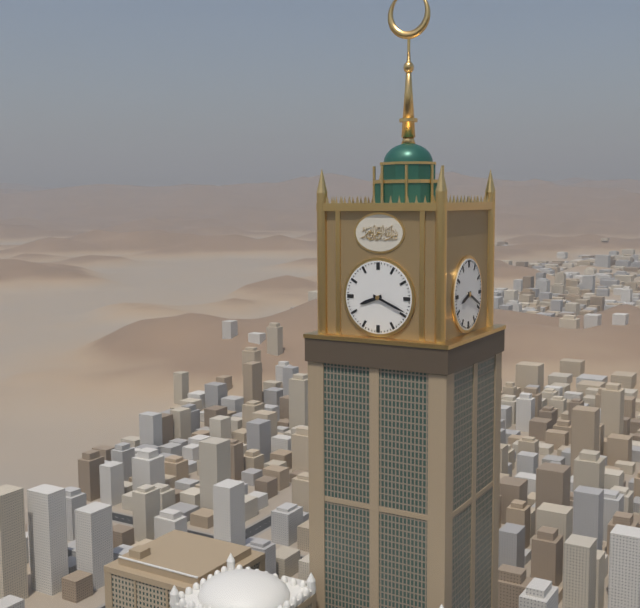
8:19
